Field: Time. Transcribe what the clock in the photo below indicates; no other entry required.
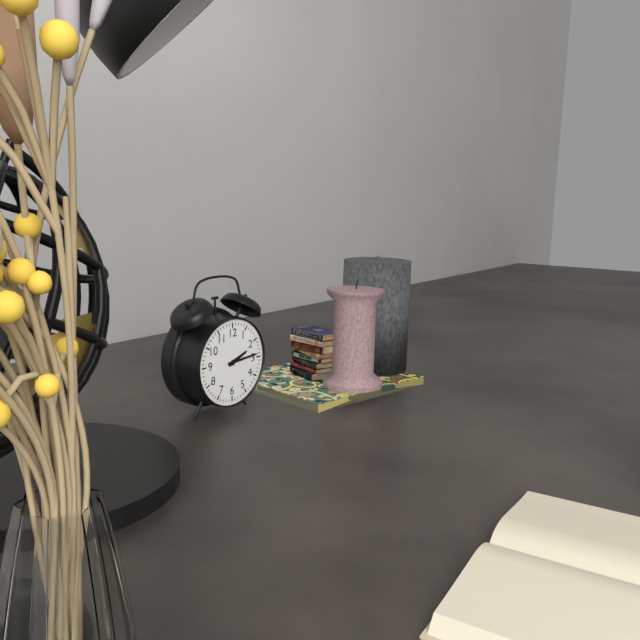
2:14
